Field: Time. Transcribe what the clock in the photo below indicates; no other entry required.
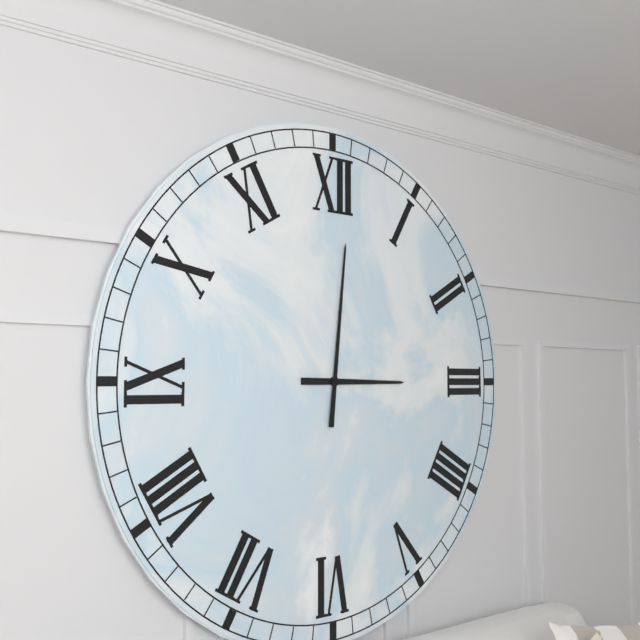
3:01
